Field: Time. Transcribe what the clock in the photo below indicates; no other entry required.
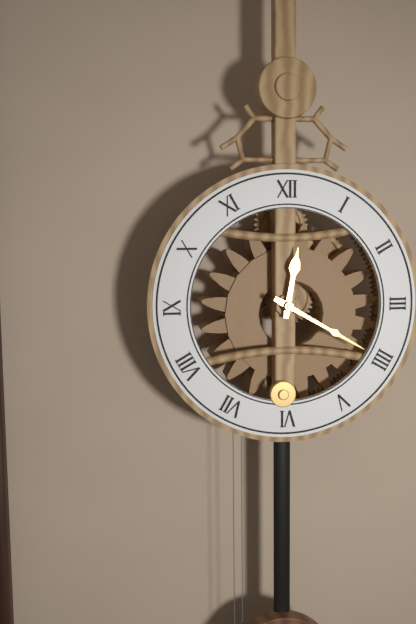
12:20
